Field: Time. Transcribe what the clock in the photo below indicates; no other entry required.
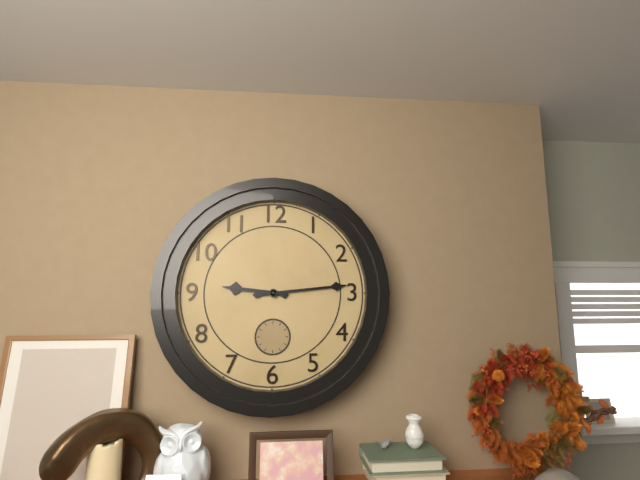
9:14
